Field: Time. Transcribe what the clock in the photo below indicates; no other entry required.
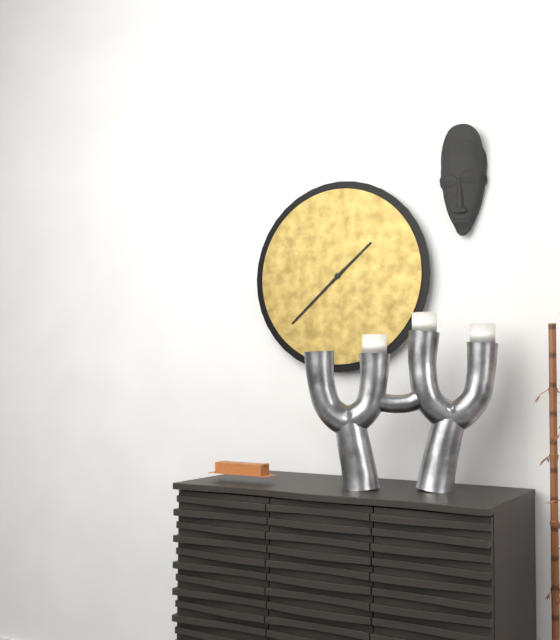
1:38
